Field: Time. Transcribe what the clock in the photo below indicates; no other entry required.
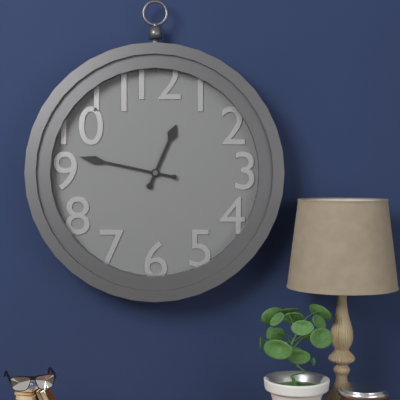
12:47
